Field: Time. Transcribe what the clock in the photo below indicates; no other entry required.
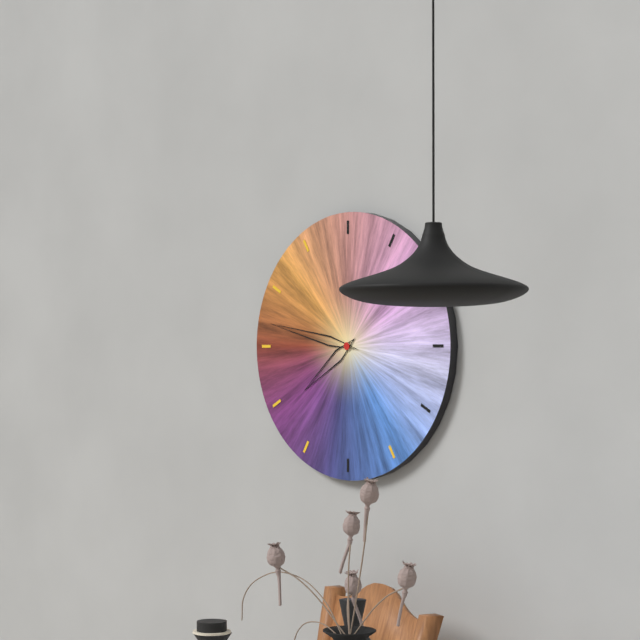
7:47
